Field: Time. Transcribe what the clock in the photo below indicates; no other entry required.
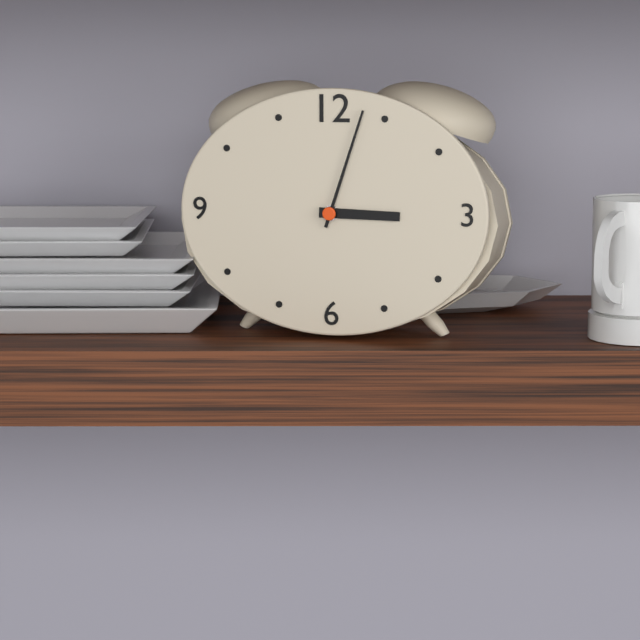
3:03
